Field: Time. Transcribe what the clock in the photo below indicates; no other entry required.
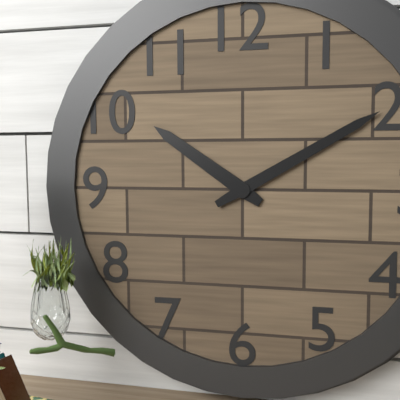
10:10
